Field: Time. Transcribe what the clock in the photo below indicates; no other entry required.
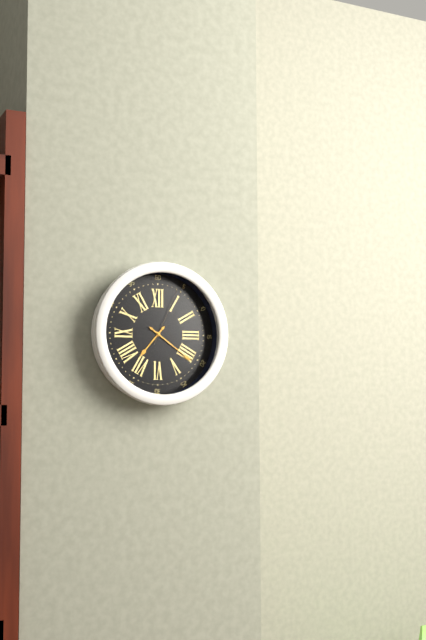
7:21:04
